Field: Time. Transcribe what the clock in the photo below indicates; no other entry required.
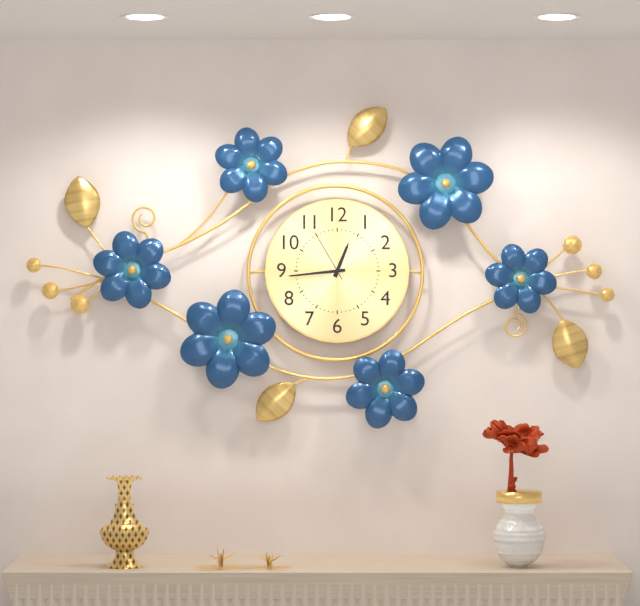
12:44:55
